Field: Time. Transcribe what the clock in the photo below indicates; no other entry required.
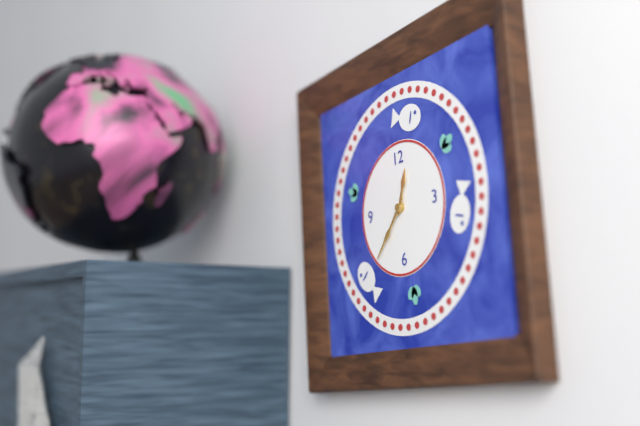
12:37
